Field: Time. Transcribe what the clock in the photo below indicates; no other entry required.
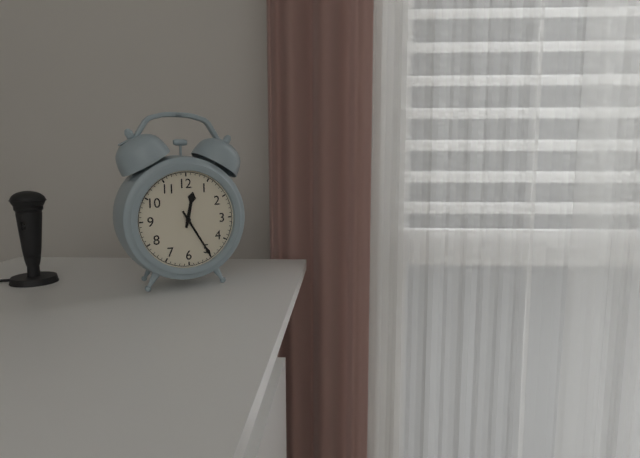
12:25
